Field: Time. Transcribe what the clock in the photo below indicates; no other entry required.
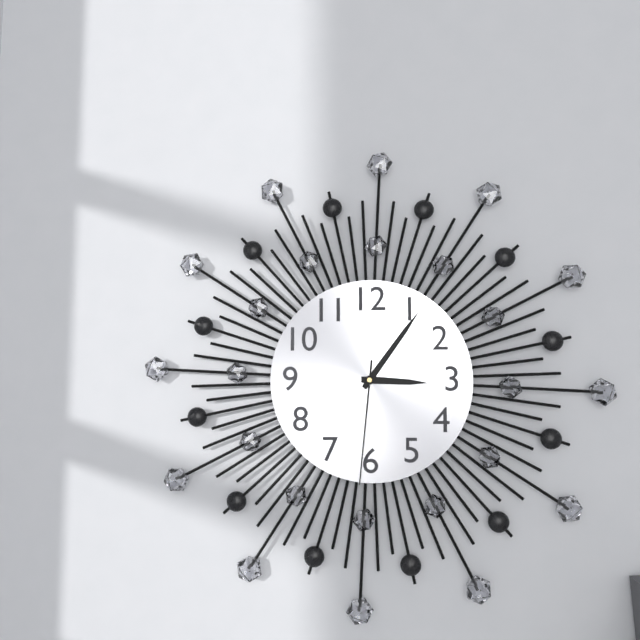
3:06:31
